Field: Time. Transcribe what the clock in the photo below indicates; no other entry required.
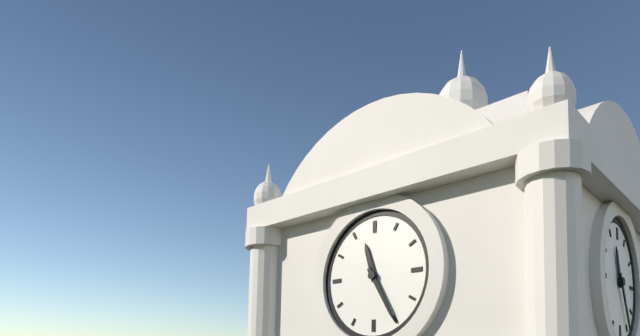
11:25
